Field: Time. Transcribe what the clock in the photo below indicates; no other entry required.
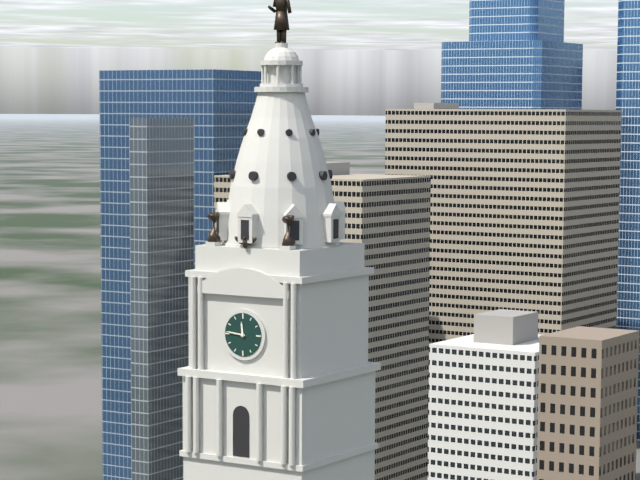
11:46
